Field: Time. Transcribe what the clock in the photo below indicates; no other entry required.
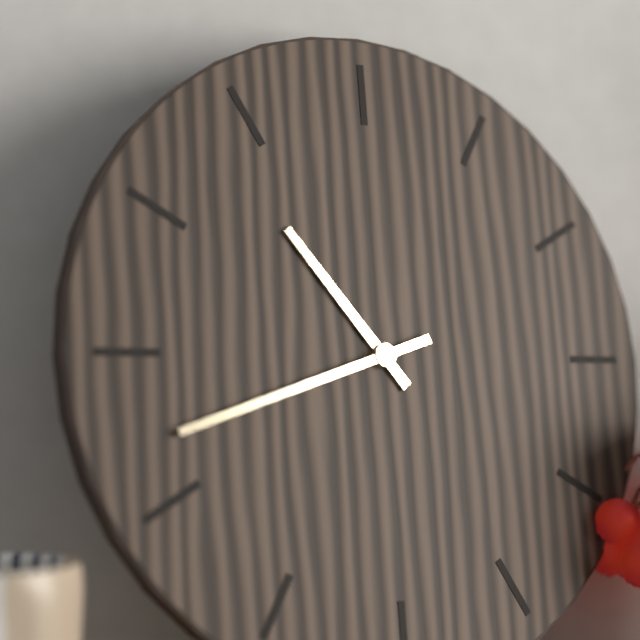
10:42
